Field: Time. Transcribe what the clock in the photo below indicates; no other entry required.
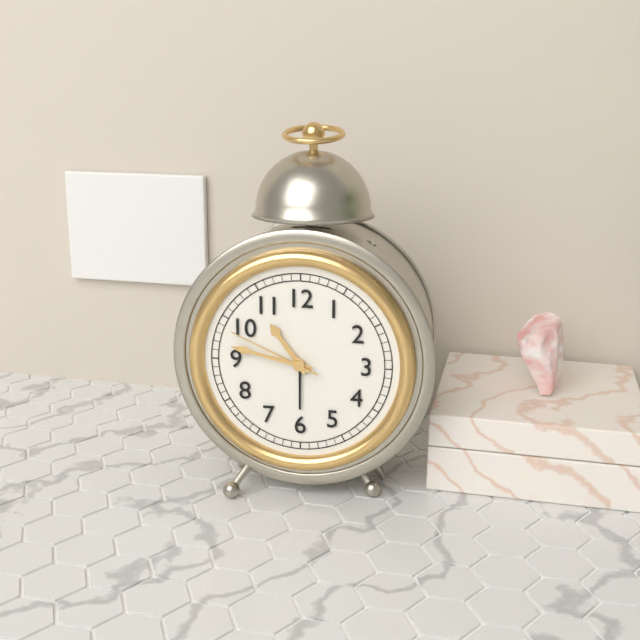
10:47:49
